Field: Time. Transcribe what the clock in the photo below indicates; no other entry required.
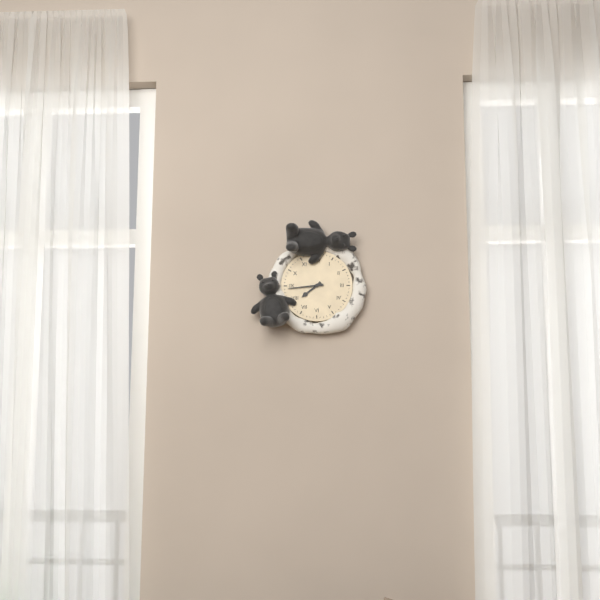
7:44
